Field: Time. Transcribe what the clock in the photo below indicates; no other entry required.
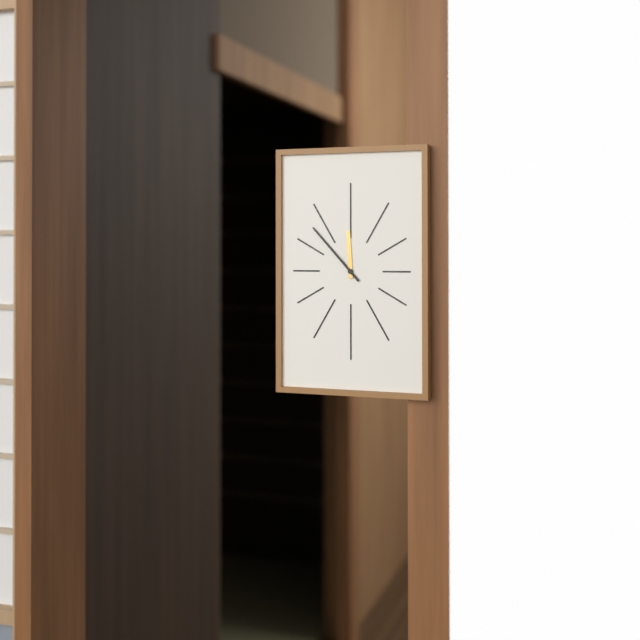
11:53
